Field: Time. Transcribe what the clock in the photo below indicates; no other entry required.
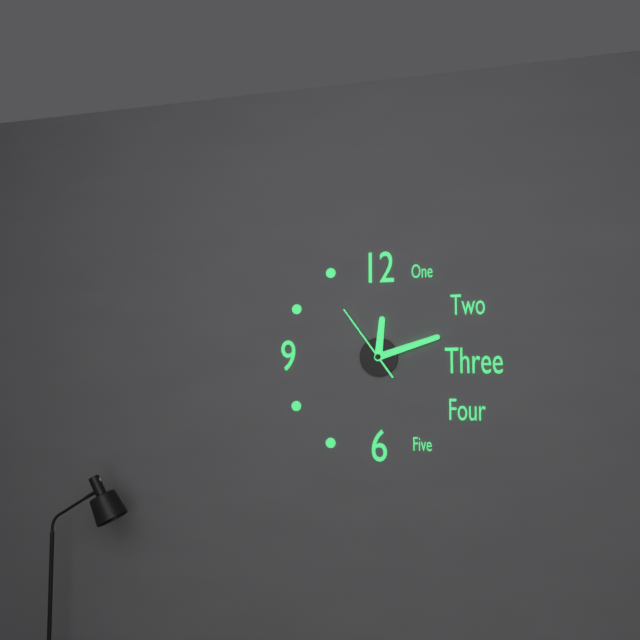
12:12:54
